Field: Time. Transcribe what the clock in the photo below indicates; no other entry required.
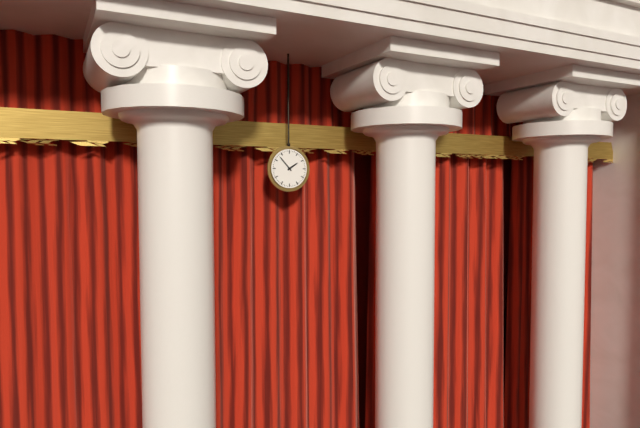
1:53
